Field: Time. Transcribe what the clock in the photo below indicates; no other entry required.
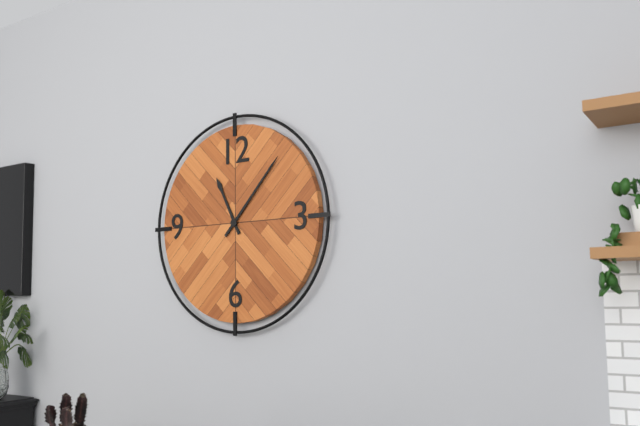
11:07
